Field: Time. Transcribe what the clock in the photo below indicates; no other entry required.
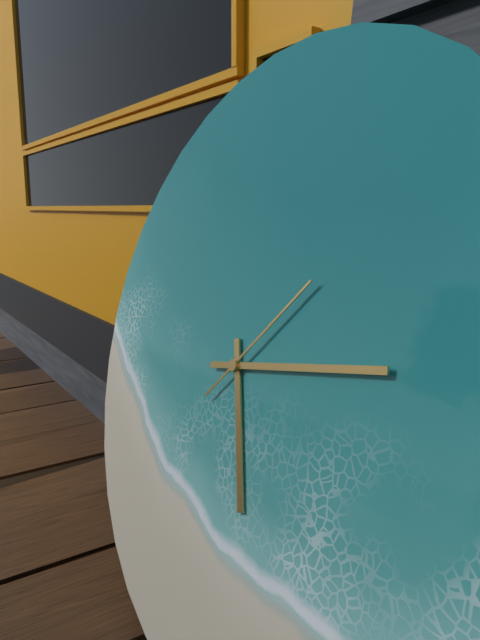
5:13:07
